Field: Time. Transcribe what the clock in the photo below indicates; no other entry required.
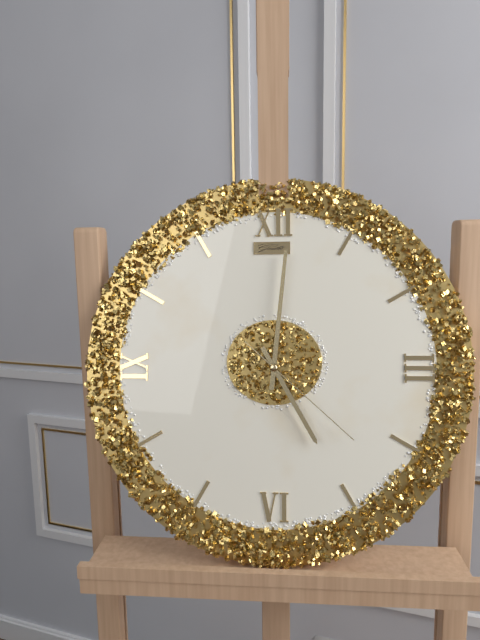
5:01:22
